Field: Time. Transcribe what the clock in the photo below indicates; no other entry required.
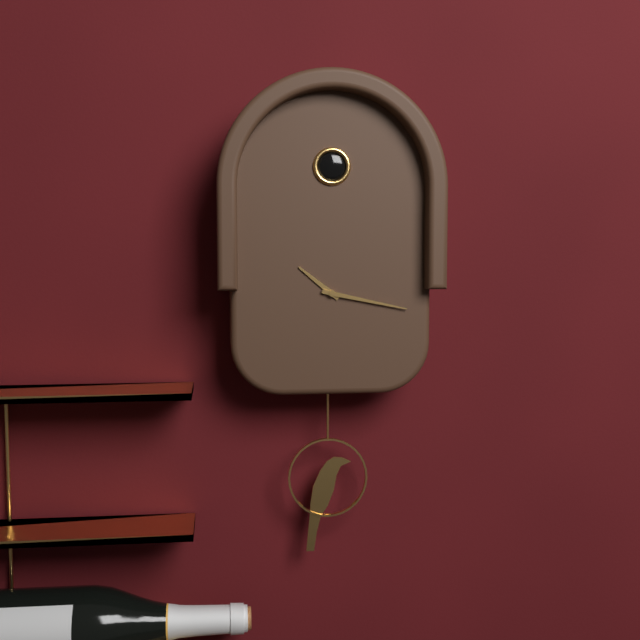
10:17
